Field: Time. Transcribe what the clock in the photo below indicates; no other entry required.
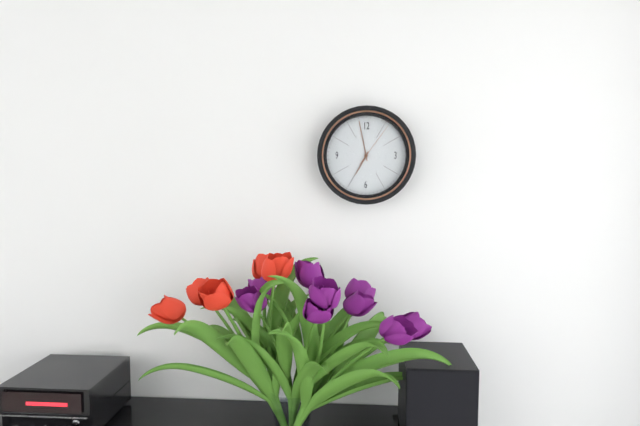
6:58
